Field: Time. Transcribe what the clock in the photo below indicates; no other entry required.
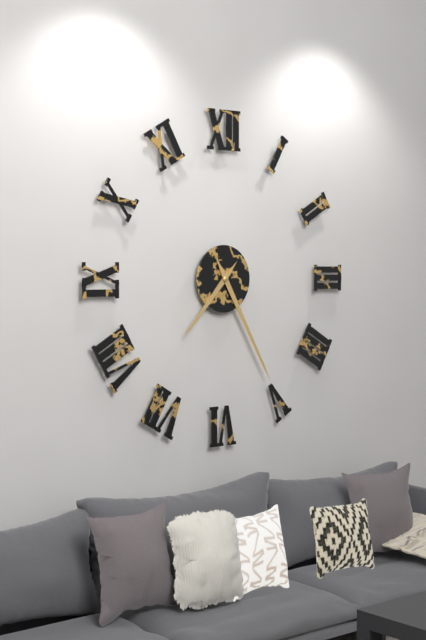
7:25
